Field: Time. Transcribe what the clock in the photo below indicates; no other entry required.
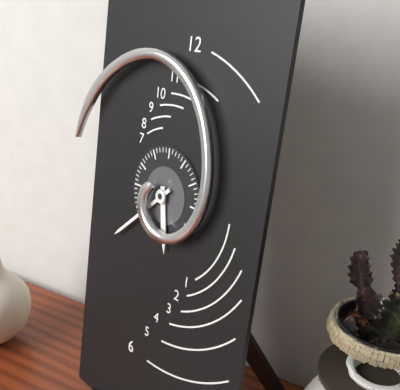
5:38
